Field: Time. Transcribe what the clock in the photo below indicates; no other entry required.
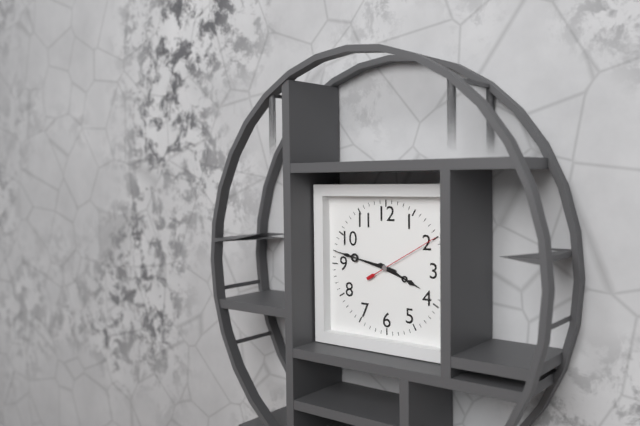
3:47:10
